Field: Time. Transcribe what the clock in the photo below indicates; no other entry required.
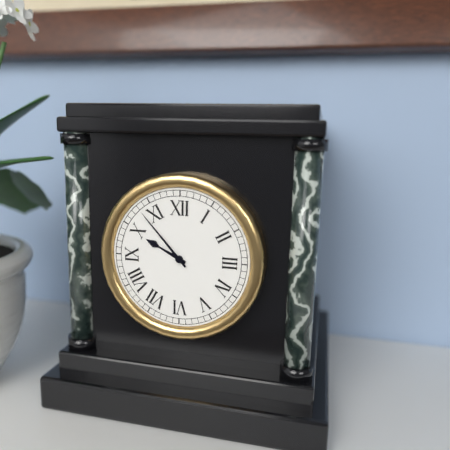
9:53
